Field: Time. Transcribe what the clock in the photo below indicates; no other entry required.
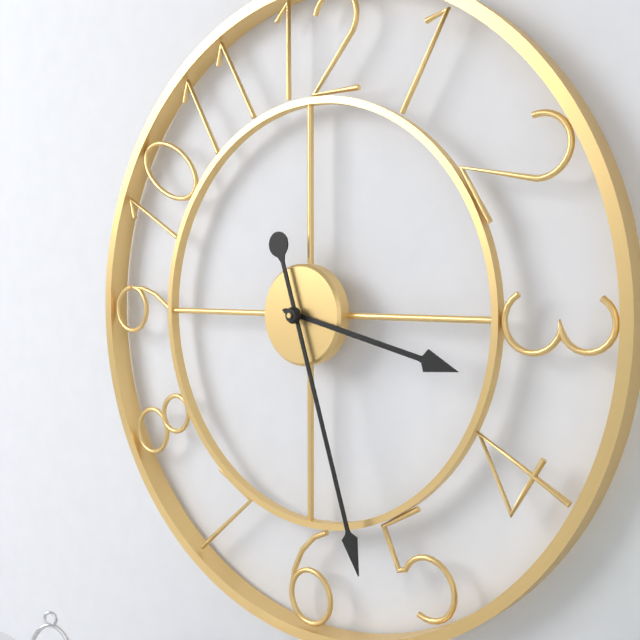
3:27
